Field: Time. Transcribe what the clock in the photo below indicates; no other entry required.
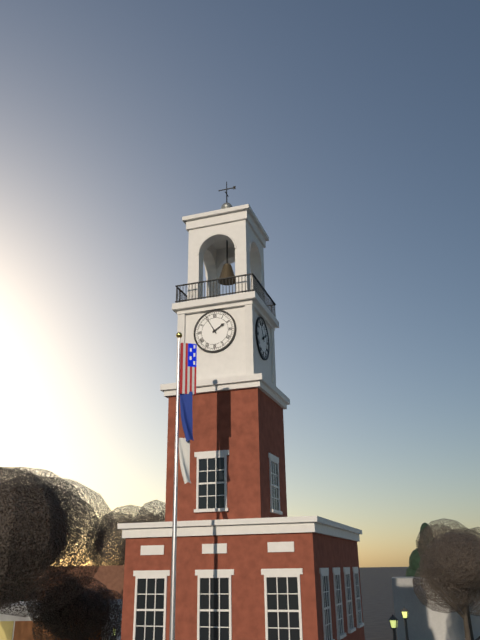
1:55
